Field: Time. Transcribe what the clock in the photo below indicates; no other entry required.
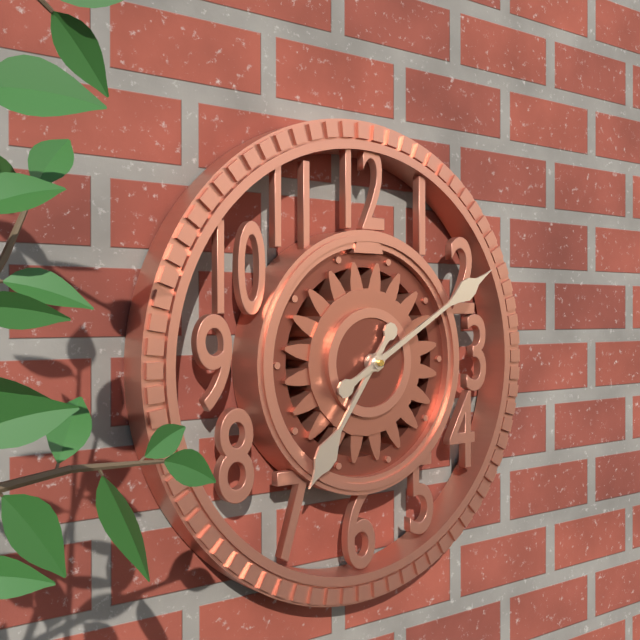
7:10
